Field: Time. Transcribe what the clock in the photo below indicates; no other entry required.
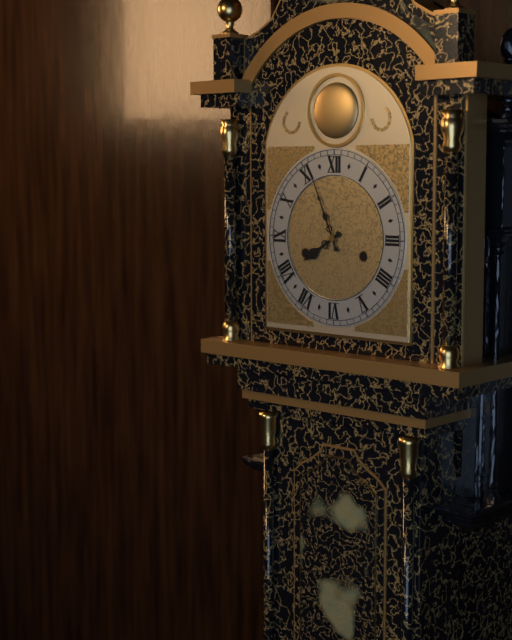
7:56
